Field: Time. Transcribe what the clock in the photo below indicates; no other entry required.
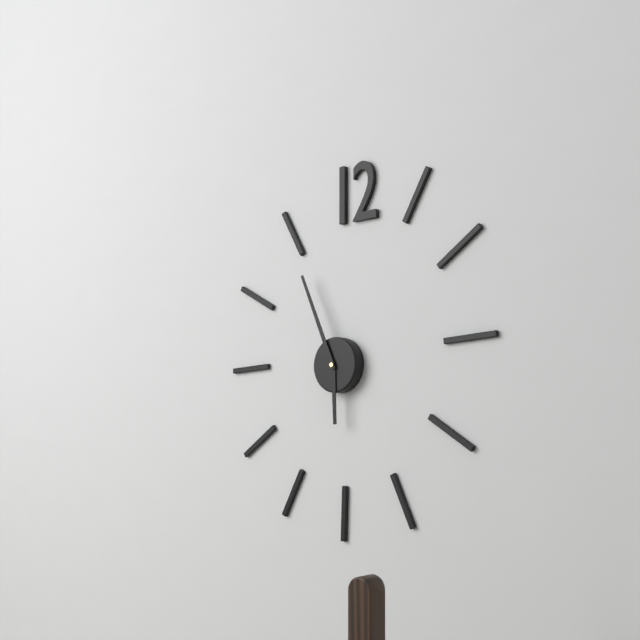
5:56
